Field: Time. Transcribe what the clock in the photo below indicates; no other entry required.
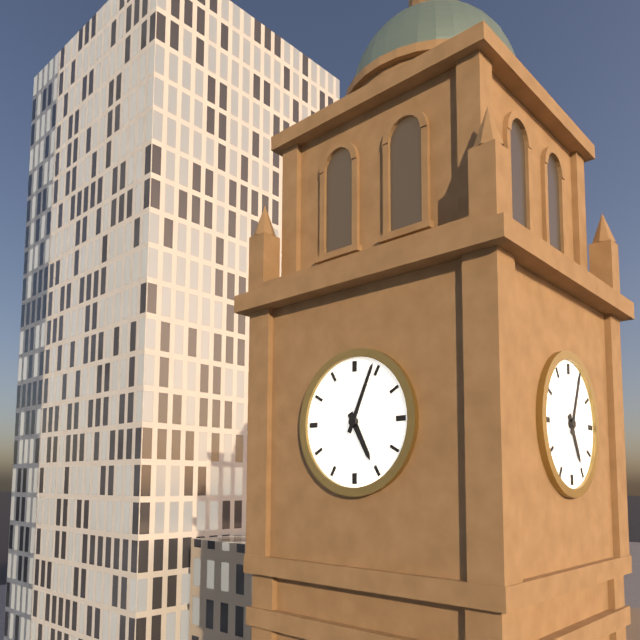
5:04
